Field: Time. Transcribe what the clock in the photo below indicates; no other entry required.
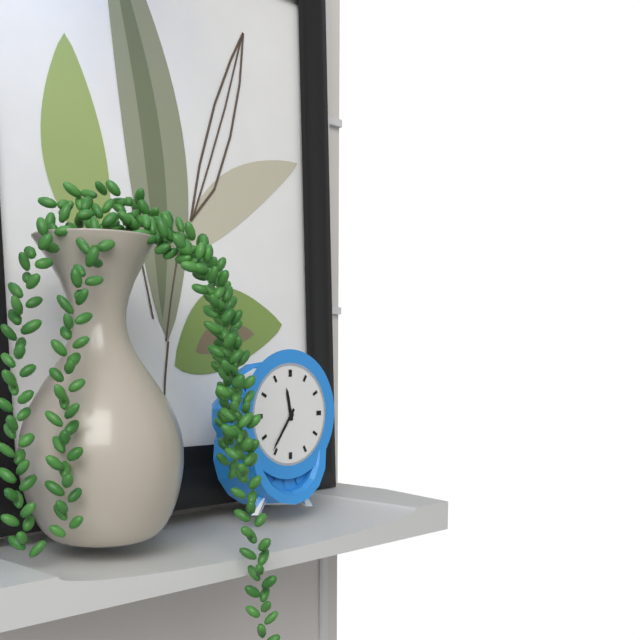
11:36
